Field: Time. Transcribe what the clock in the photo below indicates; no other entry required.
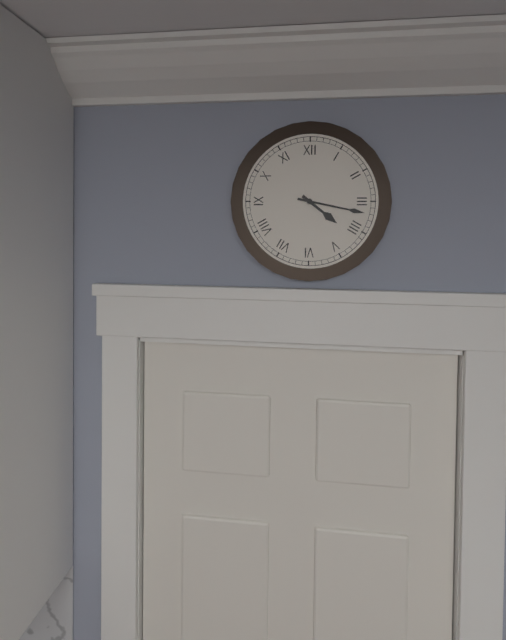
4:17
